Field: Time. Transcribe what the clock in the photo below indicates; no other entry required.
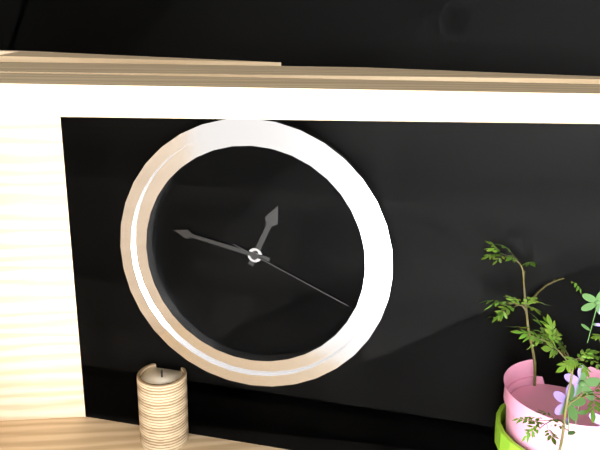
12:47:19
